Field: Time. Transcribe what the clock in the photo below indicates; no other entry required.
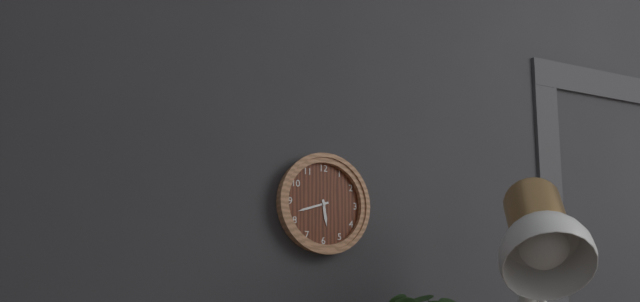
5:42
